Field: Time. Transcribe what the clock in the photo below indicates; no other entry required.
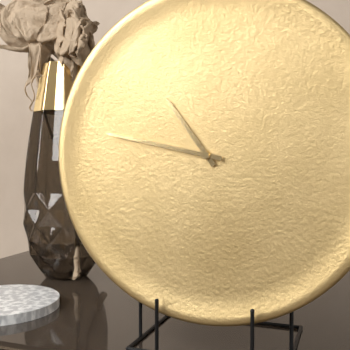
10:47
